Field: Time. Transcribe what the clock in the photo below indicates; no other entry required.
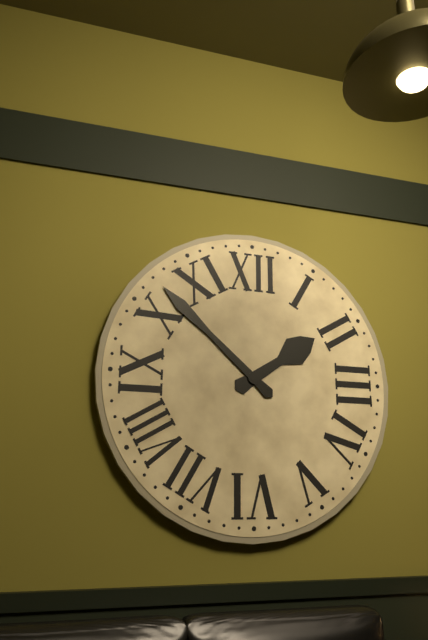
1:52
